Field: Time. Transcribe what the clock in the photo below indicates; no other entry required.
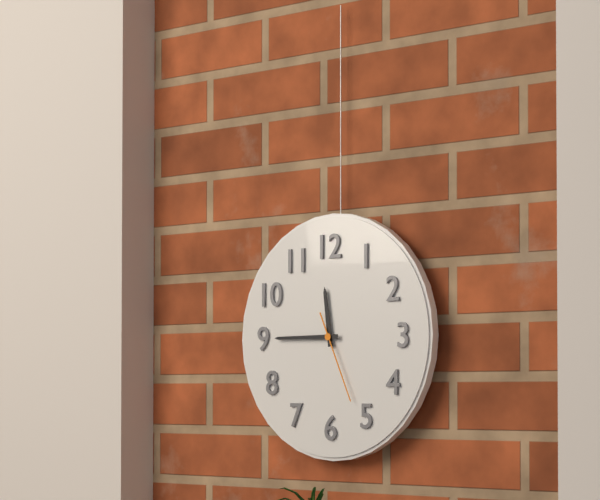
11:45:26
